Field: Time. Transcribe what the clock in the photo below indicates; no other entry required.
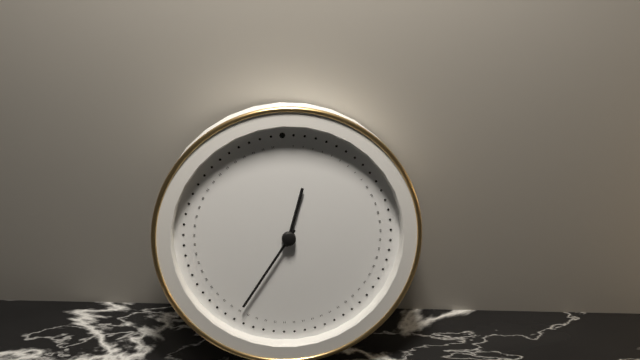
12:36
